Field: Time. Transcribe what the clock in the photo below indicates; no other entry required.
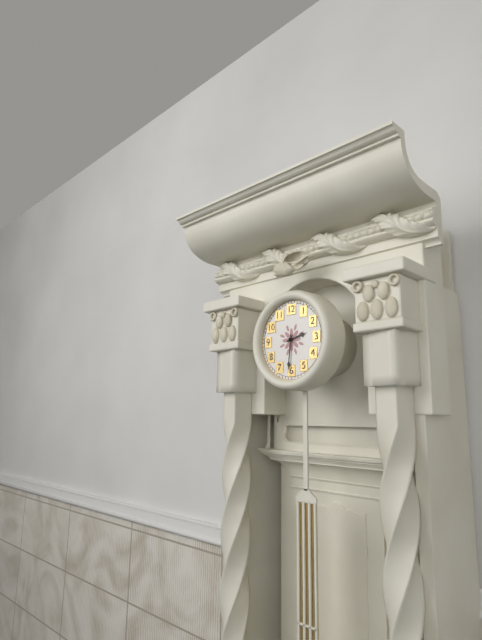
2:31
